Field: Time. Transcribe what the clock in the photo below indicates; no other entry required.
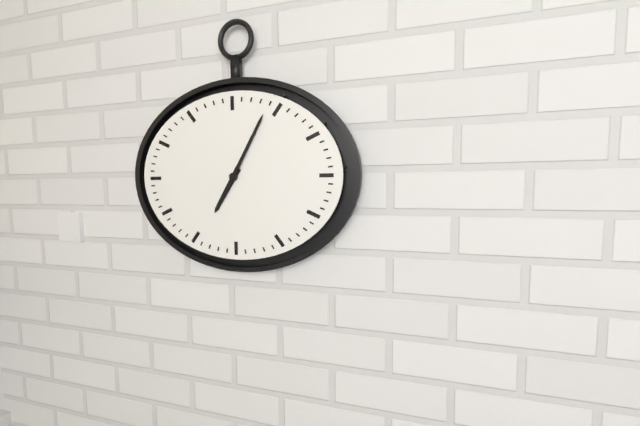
7:05
